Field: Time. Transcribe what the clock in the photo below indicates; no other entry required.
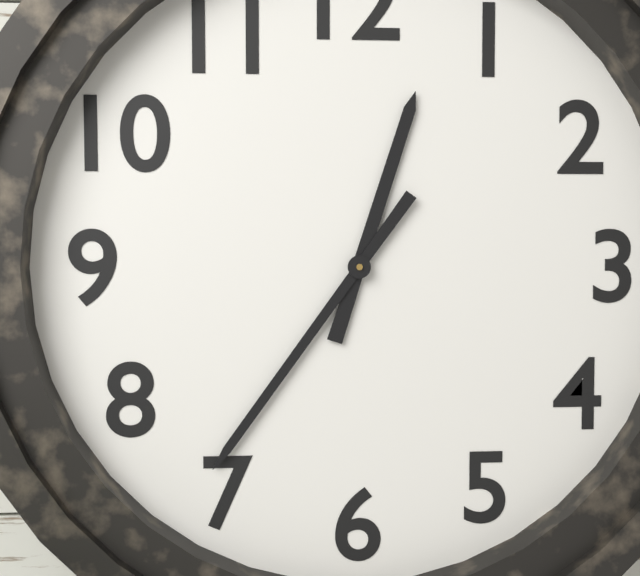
12:36
